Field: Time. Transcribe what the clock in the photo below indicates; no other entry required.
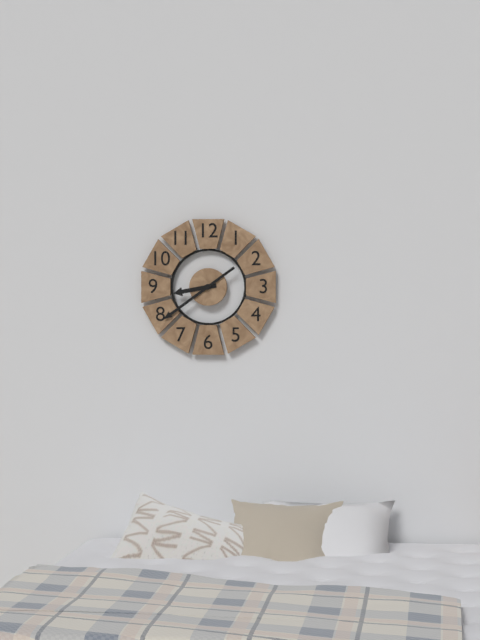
8:39
